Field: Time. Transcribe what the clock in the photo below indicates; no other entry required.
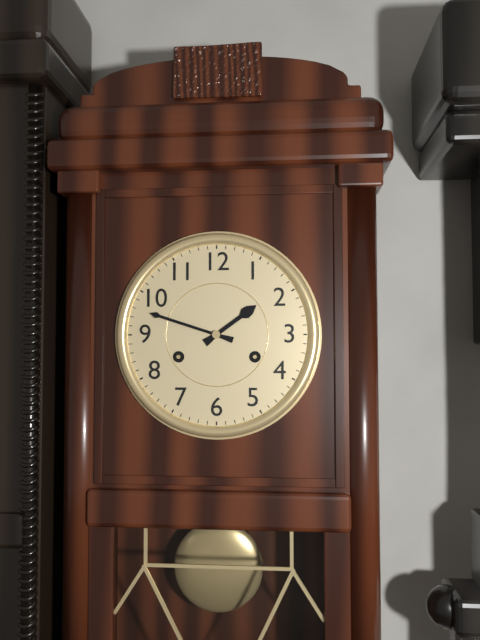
1:48
